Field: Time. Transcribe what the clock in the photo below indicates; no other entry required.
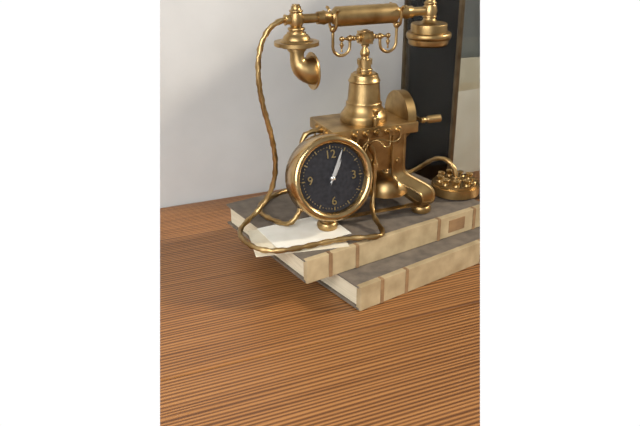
1:04
